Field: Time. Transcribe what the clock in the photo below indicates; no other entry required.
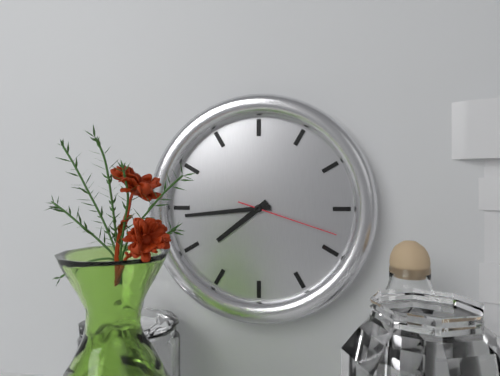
7:44:18
